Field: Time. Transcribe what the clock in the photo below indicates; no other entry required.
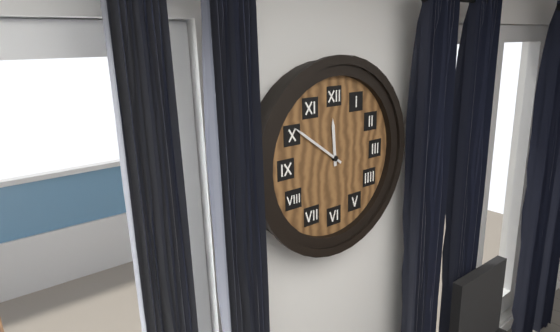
11:51
